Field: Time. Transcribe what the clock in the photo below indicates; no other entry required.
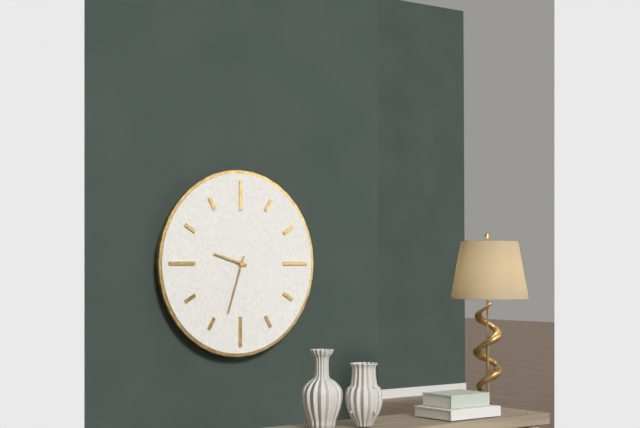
9:33
